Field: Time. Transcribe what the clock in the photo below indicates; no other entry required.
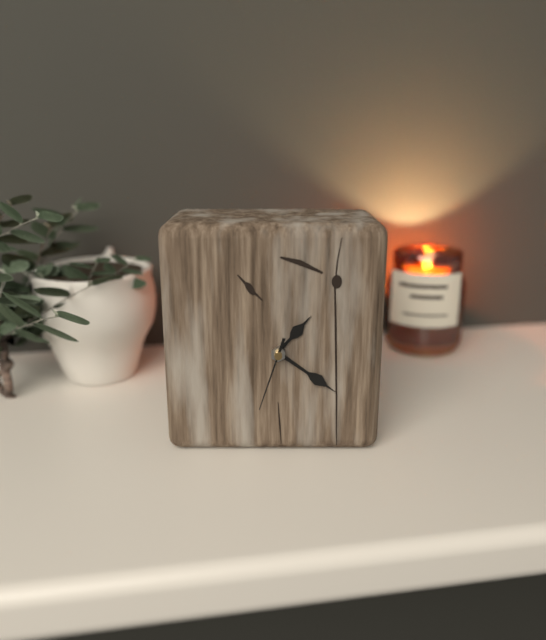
1:21:33
